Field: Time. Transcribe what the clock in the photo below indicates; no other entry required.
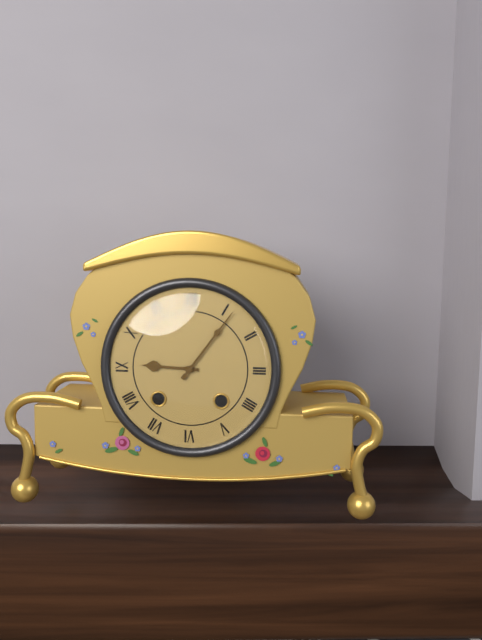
9:06
